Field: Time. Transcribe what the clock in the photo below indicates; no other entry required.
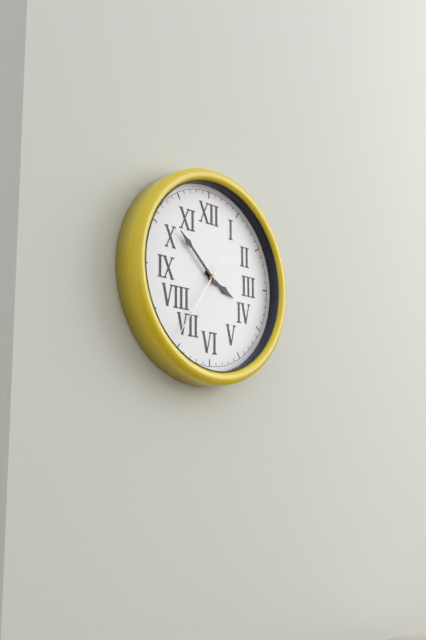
3:52:36
